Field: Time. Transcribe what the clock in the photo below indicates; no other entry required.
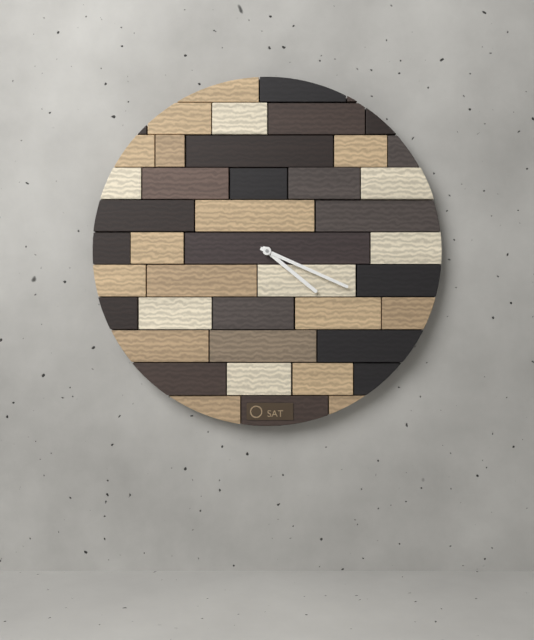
4:19
